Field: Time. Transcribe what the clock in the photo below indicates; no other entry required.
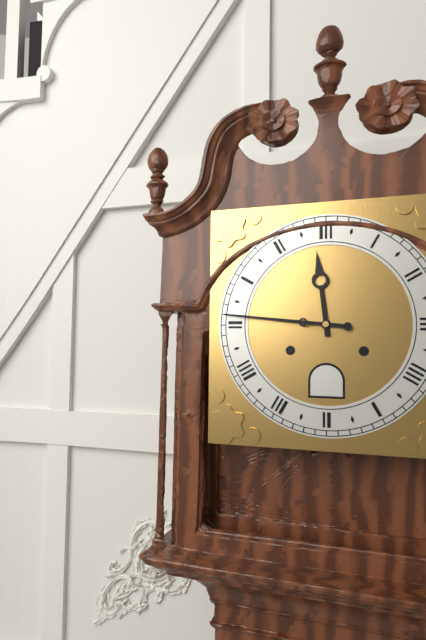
11:46
